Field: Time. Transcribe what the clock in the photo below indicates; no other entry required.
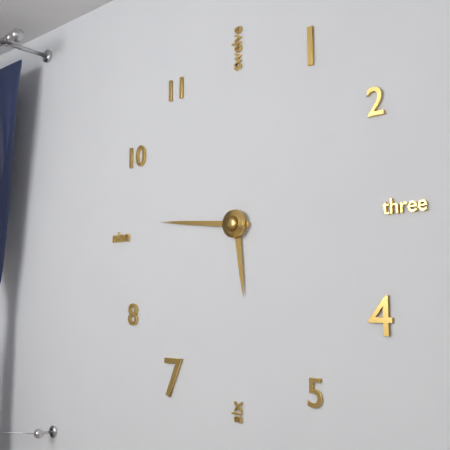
5:46
